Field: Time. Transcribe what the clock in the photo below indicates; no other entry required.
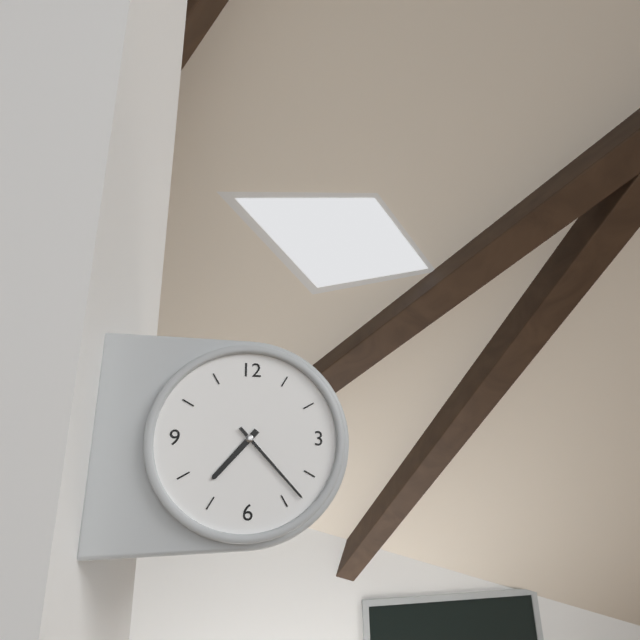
7:23
